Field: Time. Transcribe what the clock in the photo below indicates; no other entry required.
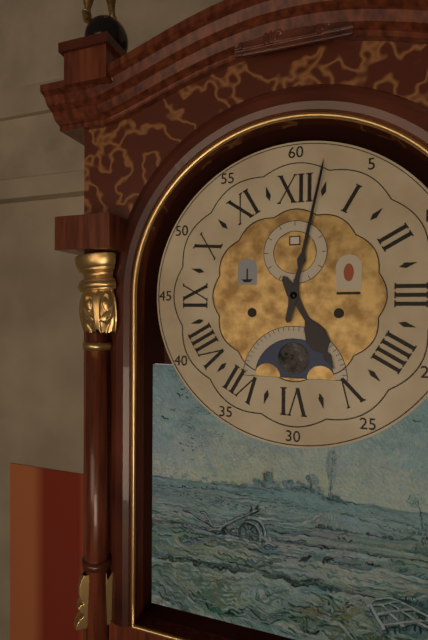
5:02
